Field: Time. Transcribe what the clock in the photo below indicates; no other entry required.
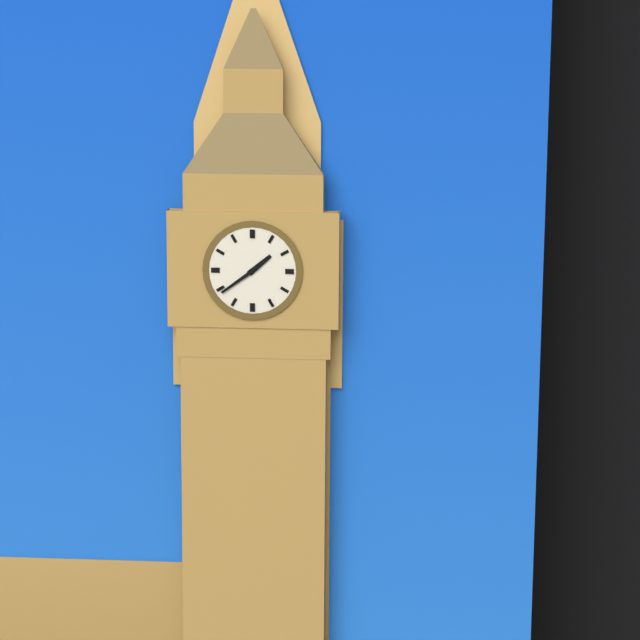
1:39
